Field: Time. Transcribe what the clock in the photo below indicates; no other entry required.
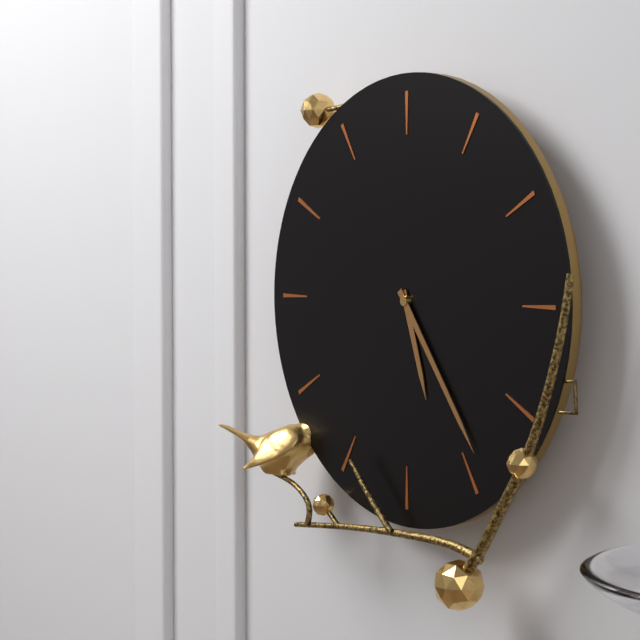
5:24
